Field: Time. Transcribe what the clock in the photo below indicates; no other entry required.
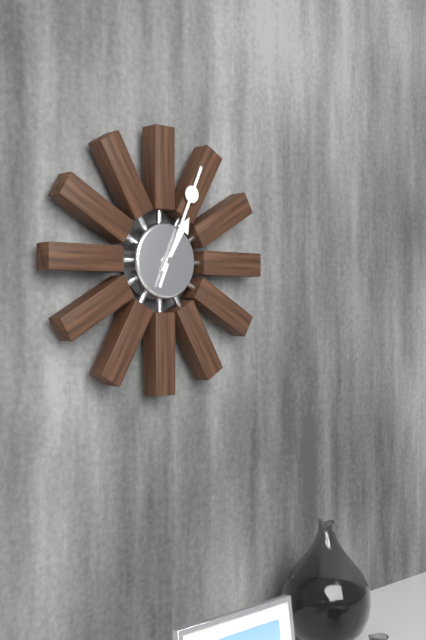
1:04
